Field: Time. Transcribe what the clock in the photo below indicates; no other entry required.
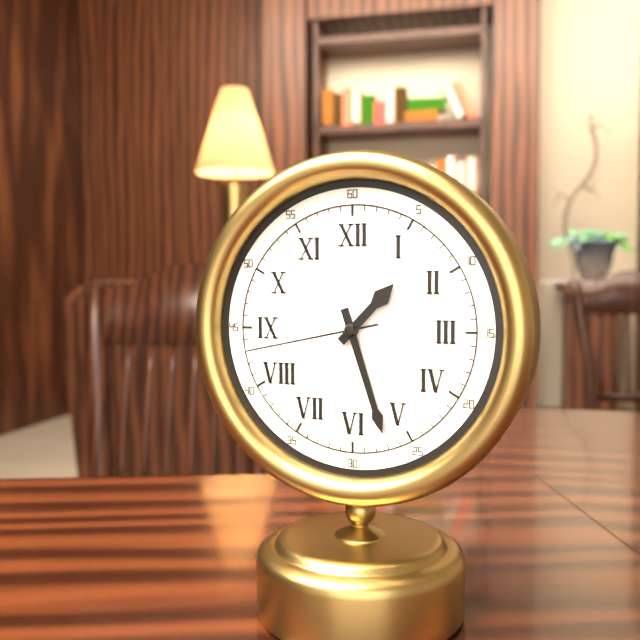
1:27:43
